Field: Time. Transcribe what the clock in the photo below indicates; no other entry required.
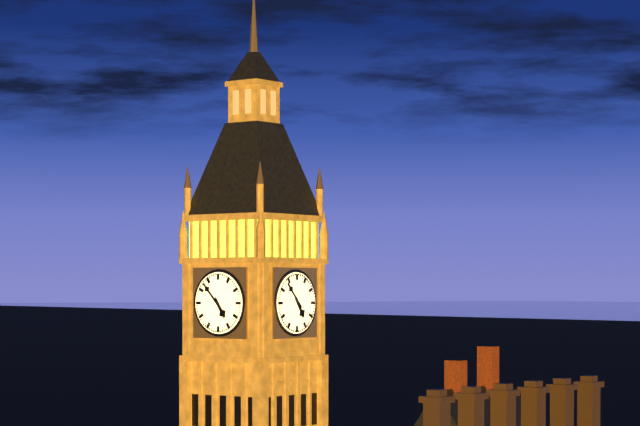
4:53
